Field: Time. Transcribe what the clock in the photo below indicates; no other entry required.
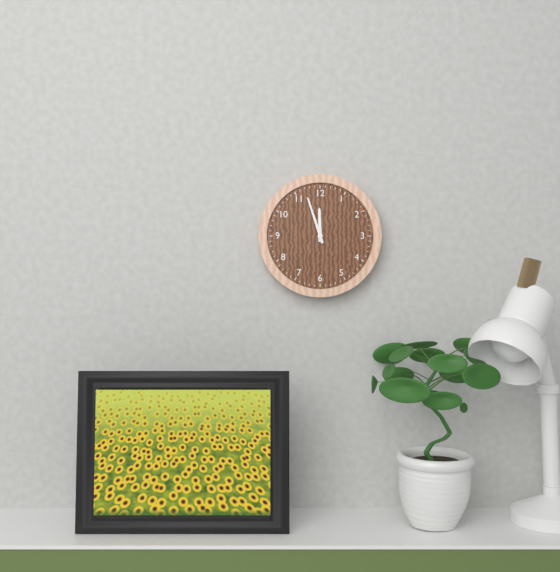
11:57
